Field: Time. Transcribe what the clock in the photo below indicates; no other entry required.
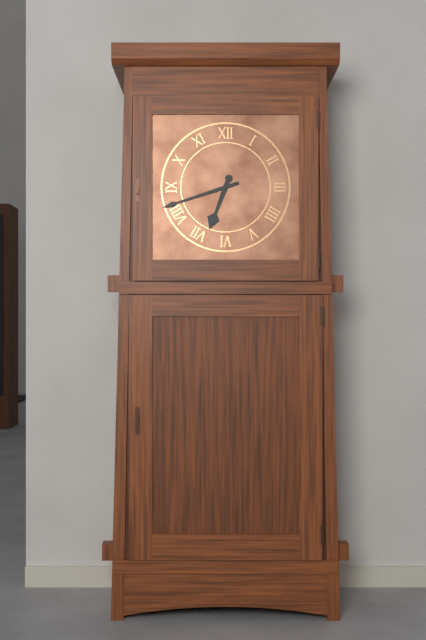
6:42
